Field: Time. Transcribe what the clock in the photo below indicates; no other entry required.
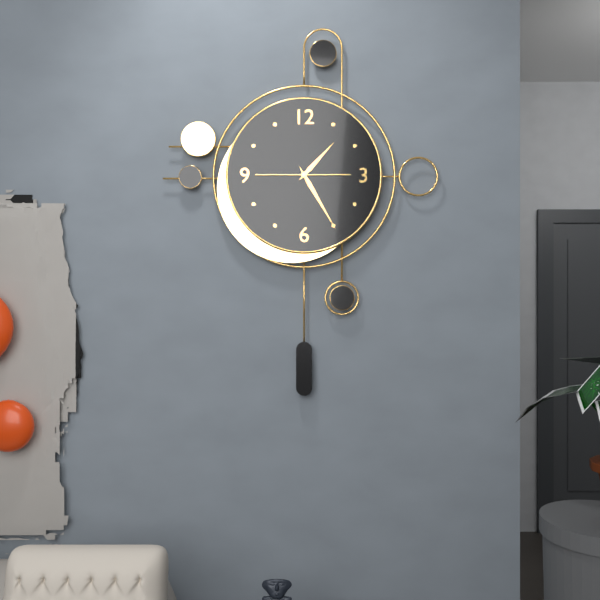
1:25:45
